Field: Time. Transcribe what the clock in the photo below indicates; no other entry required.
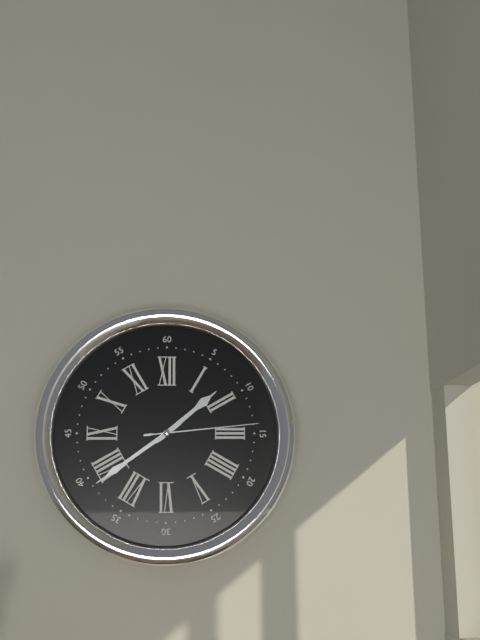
1:39:14
